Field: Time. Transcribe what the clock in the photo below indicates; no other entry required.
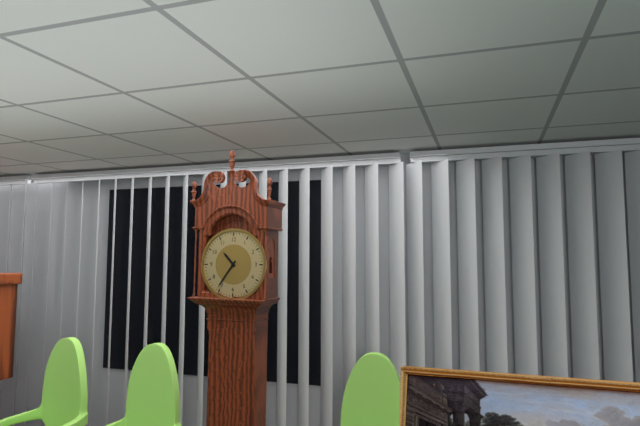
10:36
